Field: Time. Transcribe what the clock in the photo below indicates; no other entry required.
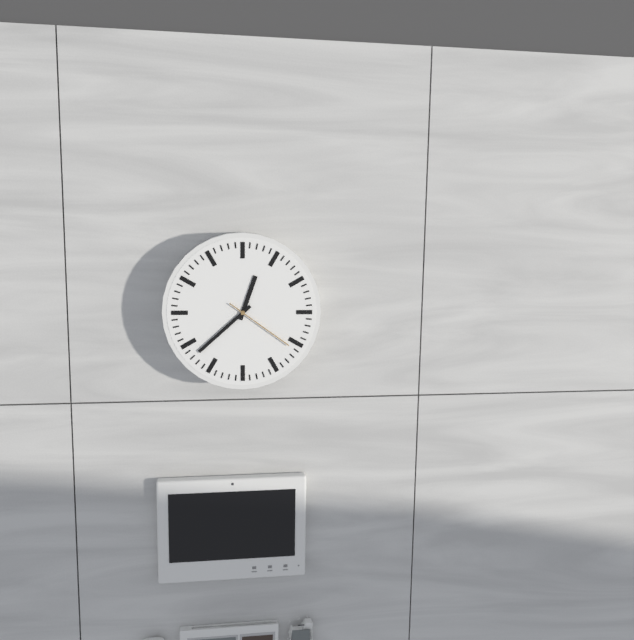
12:38:21
